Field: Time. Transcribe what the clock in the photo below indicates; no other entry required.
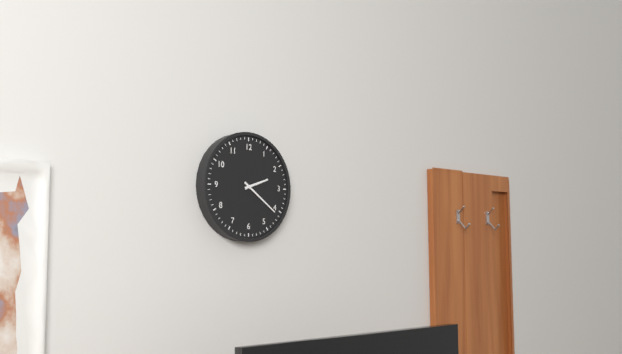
2:21
